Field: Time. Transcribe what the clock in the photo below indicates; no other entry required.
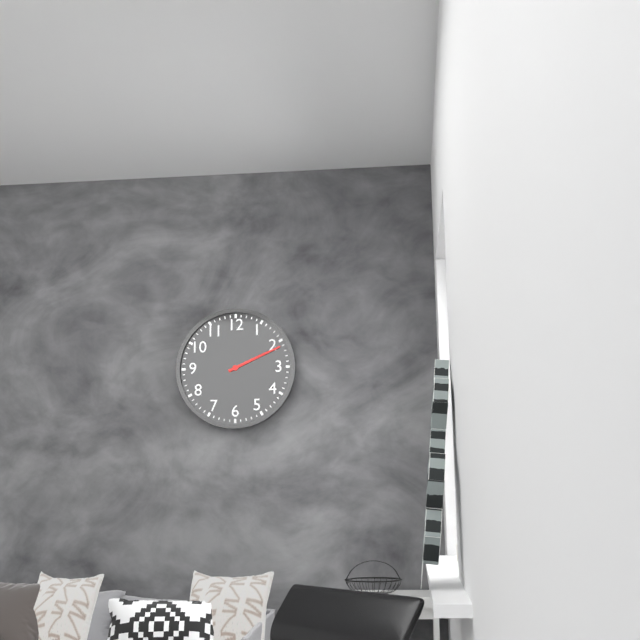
2:11
